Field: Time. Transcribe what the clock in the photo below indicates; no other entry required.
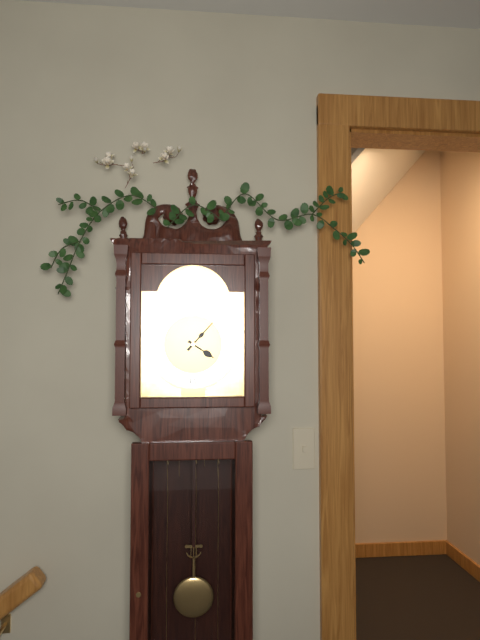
4:07
